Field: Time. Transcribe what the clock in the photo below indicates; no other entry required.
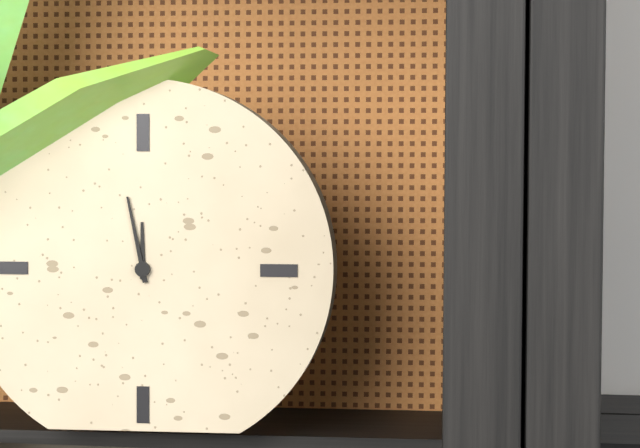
11:58
